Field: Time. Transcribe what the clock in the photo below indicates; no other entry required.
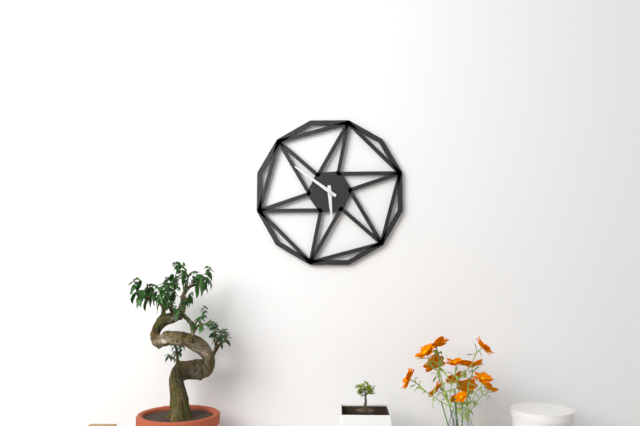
5:51
